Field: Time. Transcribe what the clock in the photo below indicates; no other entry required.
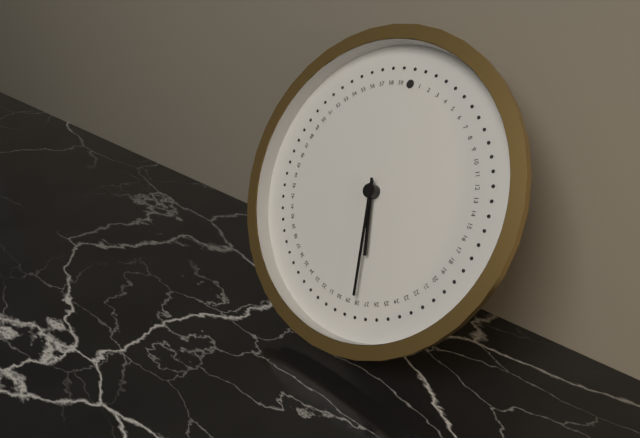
5:28
